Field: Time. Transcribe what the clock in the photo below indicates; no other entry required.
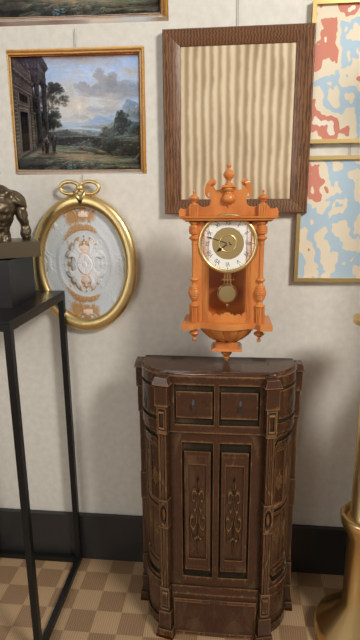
7:48
